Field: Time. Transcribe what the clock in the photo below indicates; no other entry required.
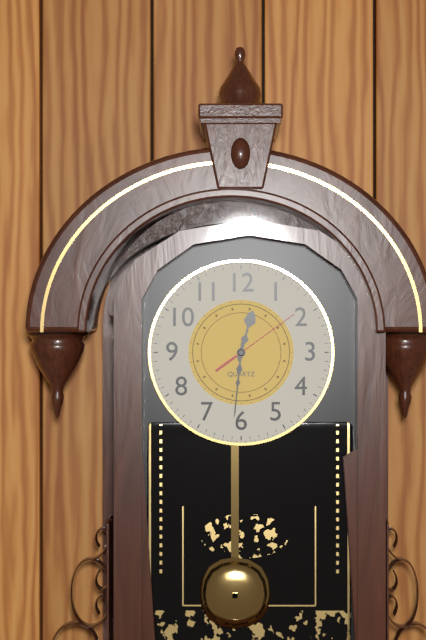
12:31:09
